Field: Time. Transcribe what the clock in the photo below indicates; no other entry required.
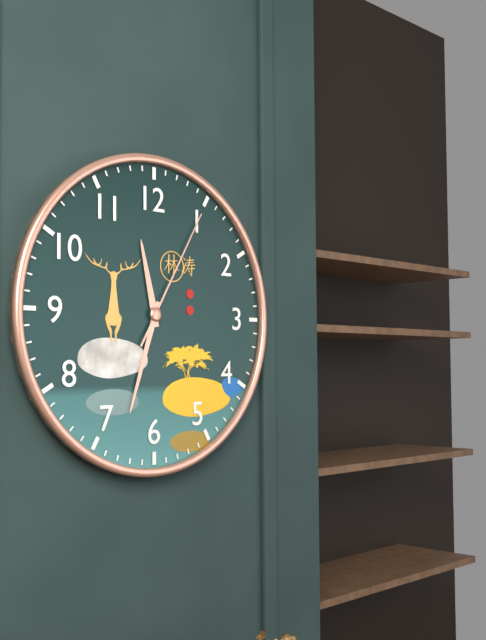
11:33:05
